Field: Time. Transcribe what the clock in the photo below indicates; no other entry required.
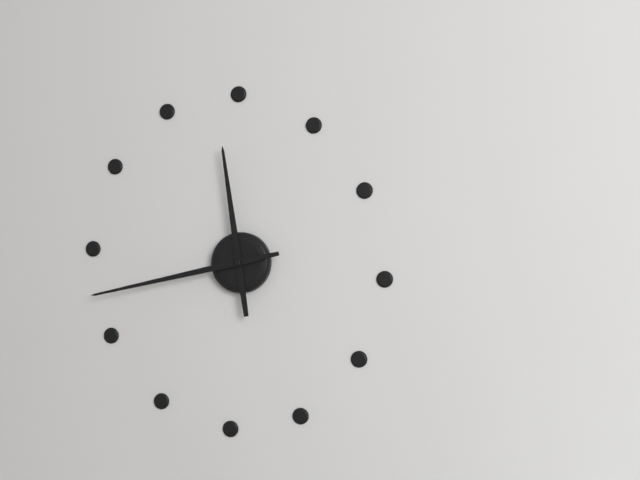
11:43
